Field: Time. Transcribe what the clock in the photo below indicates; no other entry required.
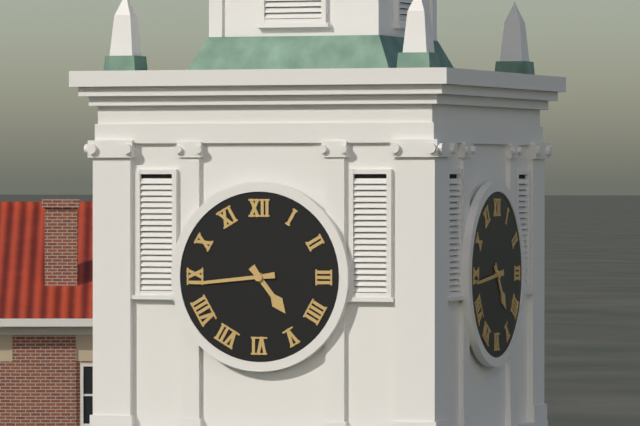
4:44
